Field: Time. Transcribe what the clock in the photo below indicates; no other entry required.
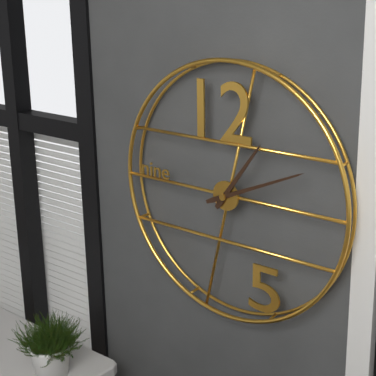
1:11
